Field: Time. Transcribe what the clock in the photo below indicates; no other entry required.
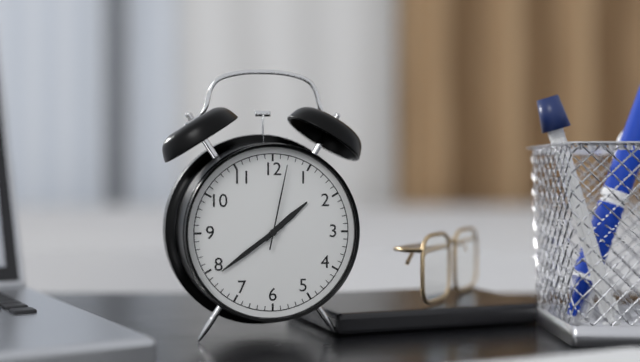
1:39:02
